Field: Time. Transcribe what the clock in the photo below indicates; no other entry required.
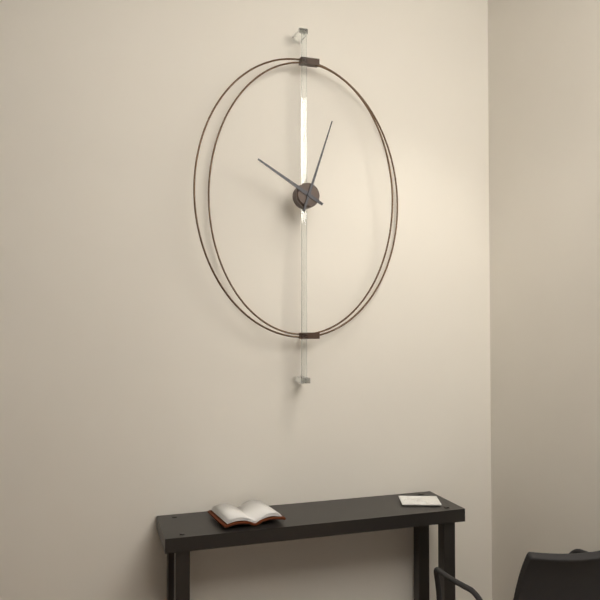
10:03
